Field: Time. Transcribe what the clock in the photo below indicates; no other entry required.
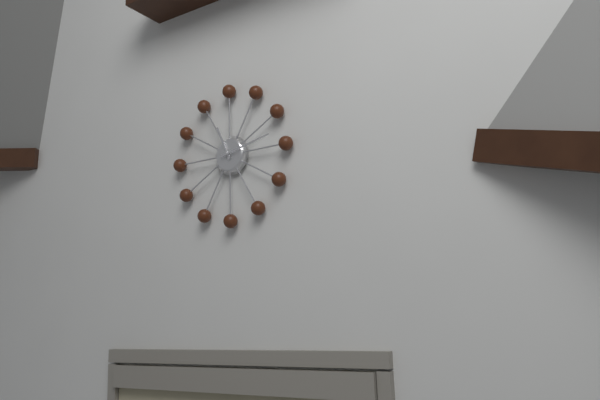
11:13
